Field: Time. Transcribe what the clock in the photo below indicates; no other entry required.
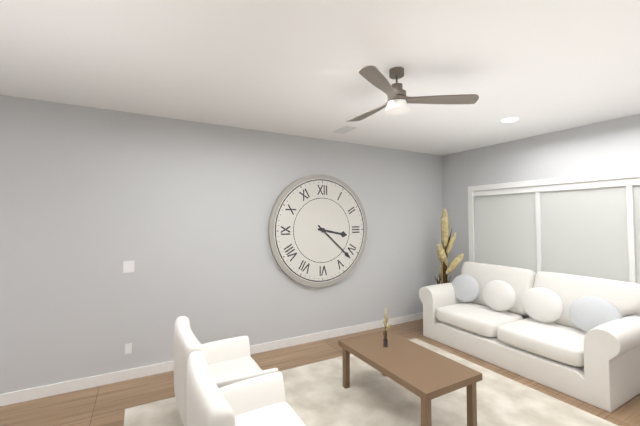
3:22
